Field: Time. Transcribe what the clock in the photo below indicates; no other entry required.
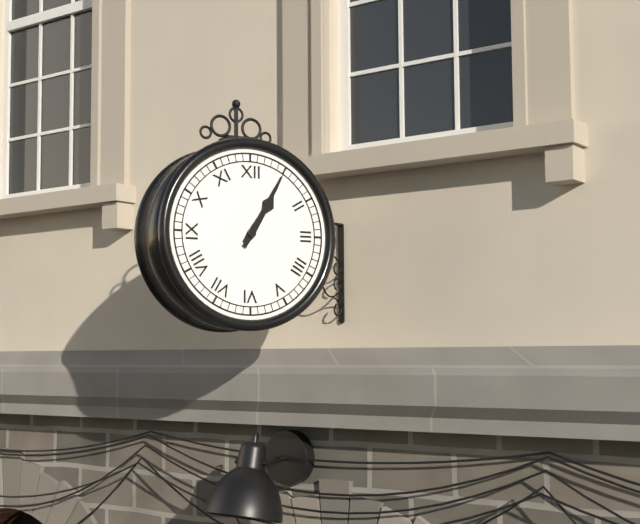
1:05
